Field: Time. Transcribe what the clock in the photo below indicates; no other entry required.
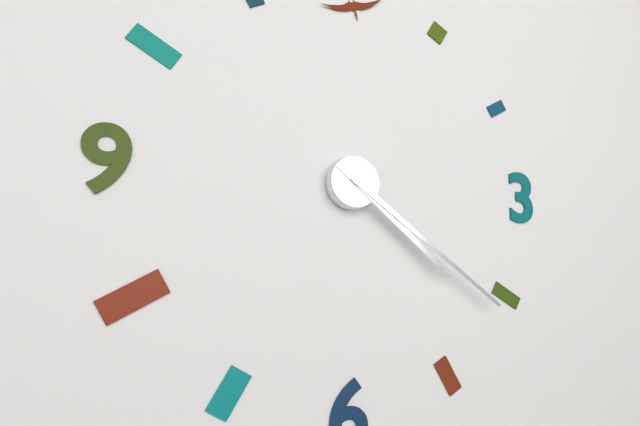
4:21
